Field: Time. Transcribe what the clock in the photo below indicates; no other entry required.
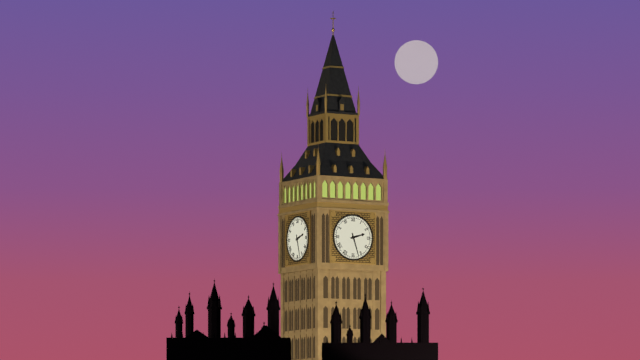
2:27
